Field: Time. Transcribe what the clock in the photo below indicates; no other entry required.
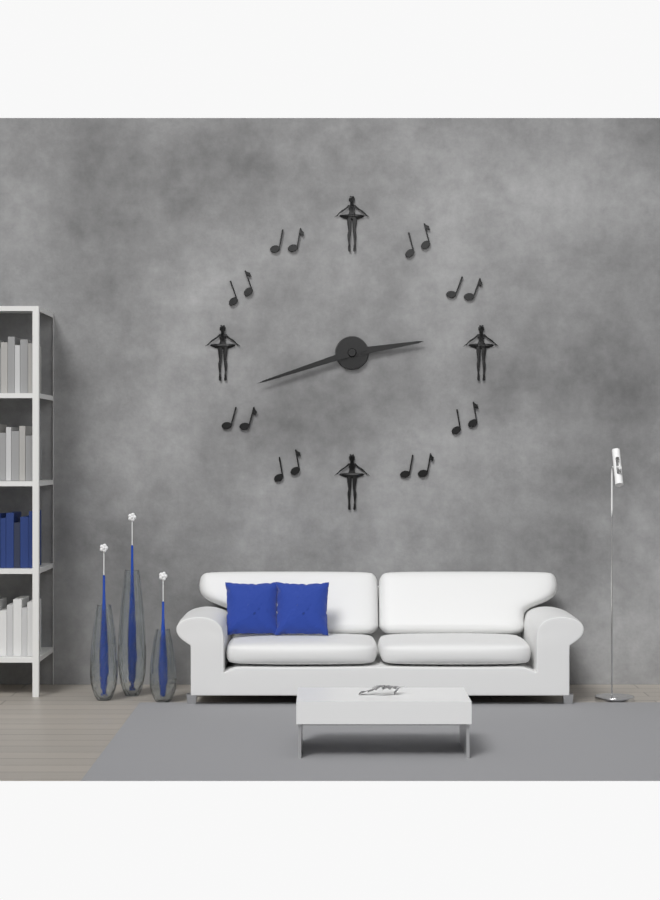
2:42
